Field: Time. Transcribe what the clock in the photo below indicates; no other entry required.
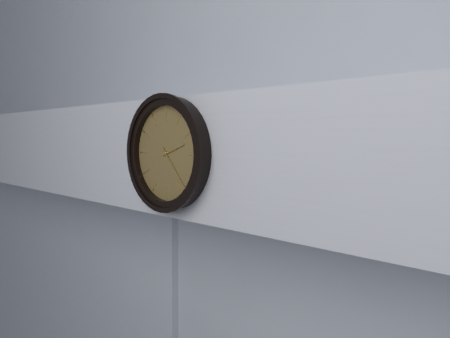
2:23
